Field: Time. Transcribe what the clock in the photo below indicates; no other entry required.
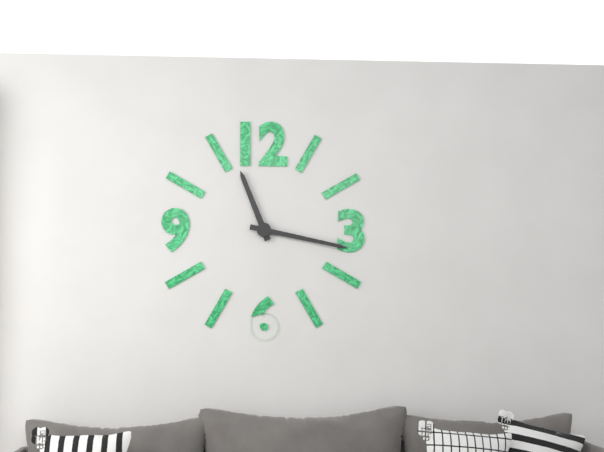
11:17
